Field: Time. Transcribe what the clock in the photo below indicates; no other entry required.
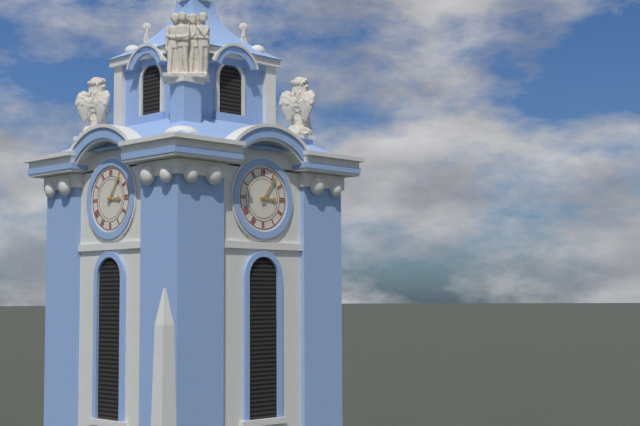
3:06
